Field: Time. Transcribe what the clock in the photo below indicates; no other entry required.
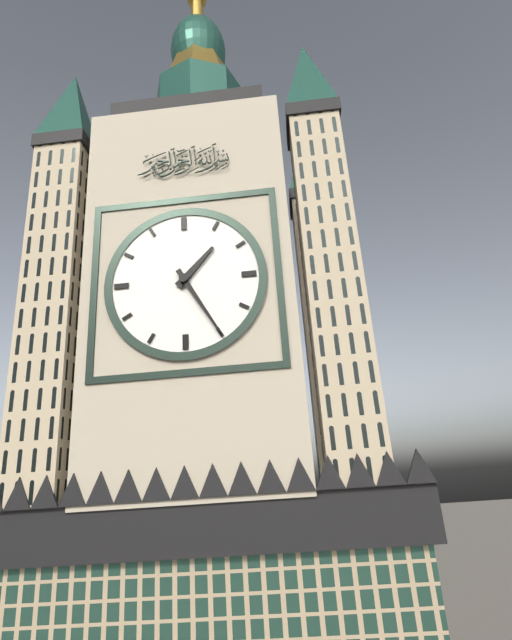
1:25
